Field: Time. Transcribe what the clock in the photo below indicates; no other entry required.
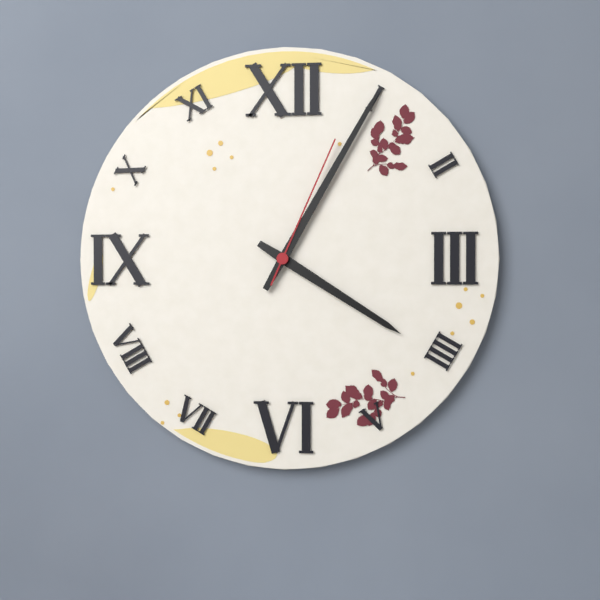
4:05:04
